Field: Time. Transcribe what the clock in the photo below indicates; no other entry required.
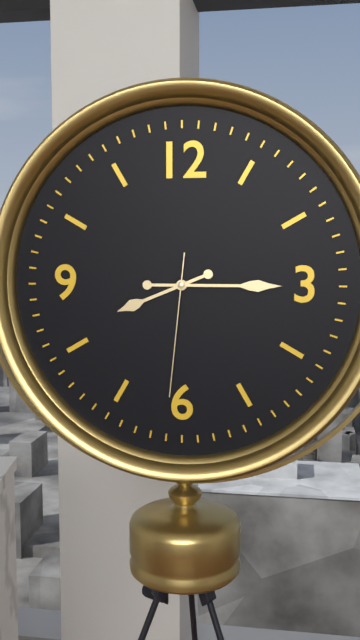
8:15:31
